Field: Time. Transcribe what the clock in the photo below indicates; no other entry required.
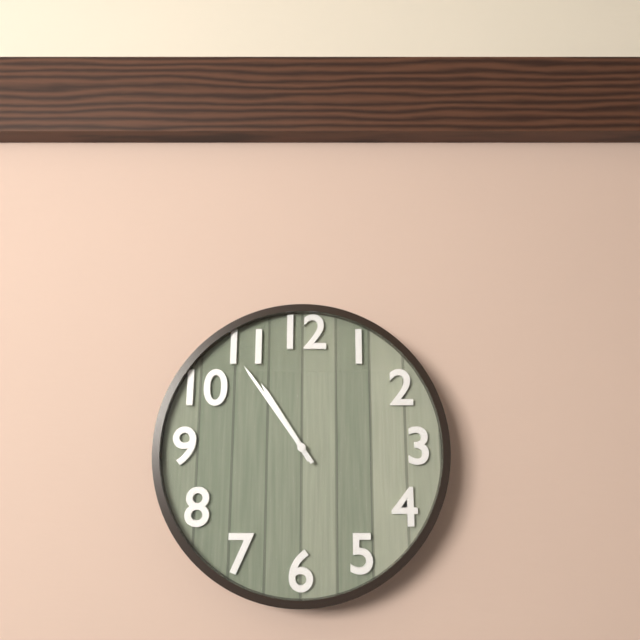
10:54
